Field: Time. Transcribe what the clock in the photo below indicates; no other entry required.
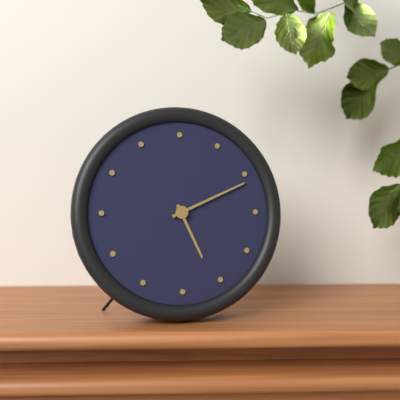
5:11
